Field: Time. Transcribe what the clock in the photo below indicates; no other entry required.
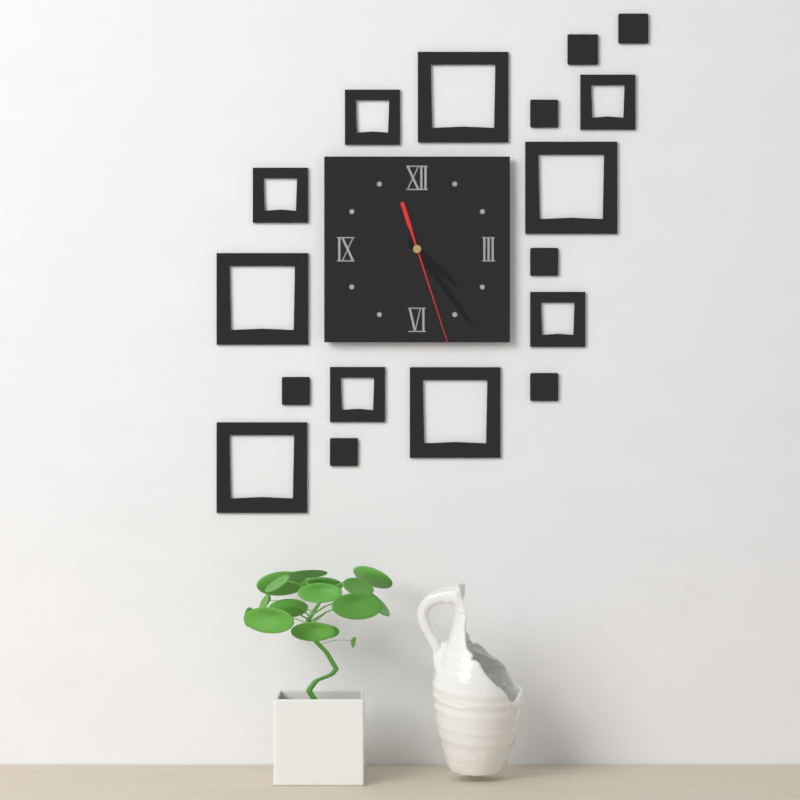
4:24:27
